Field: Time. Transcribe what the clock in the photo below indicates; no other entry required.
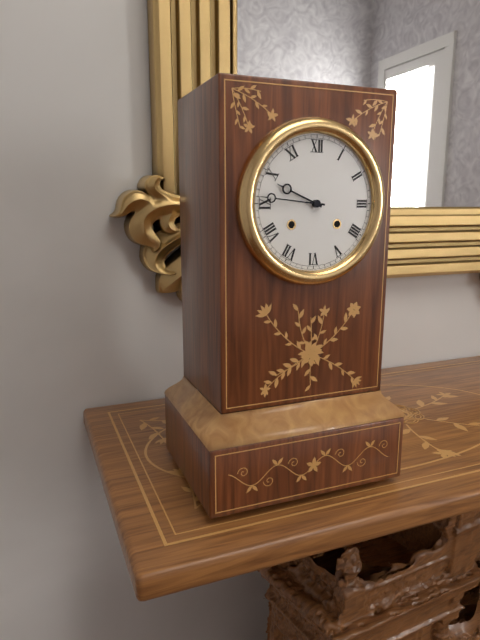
9:46
